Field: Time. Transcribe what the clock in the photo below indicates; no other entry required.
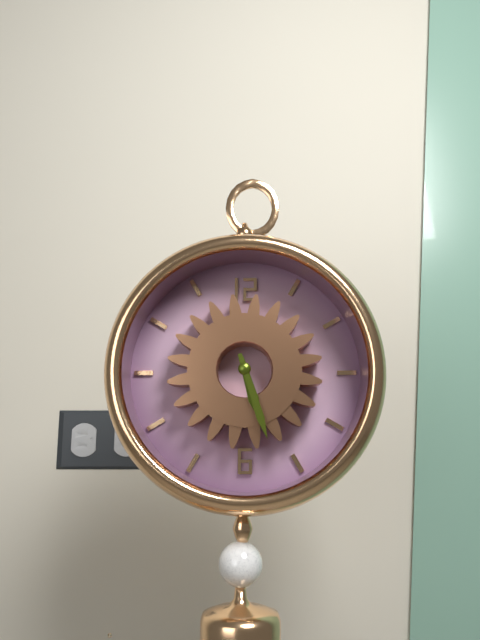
5:27
